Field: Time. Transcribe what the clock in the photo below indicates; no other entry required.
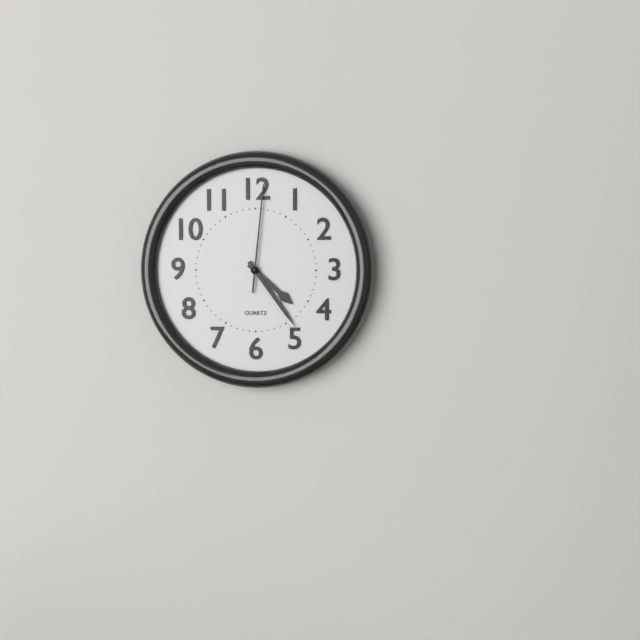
4:24:01
